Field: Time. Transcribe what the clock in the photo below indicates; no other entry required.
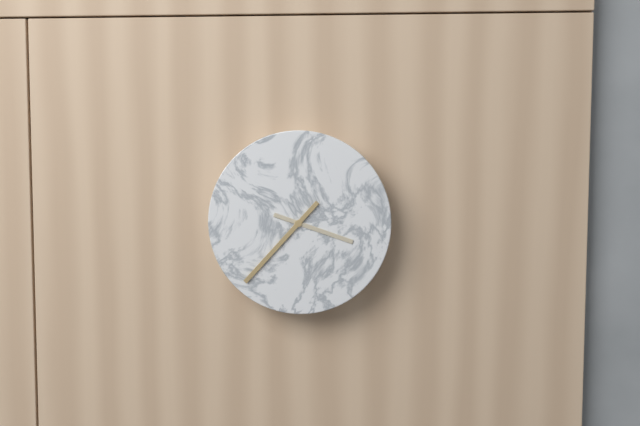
3:37
